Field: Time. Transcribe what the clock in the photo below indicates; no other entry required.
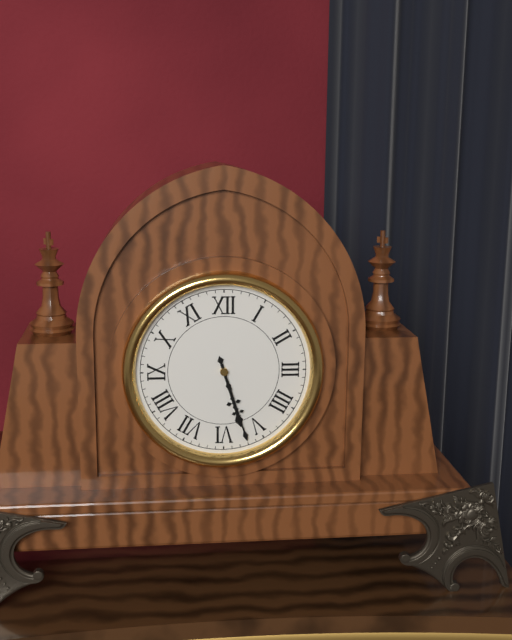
5:27
